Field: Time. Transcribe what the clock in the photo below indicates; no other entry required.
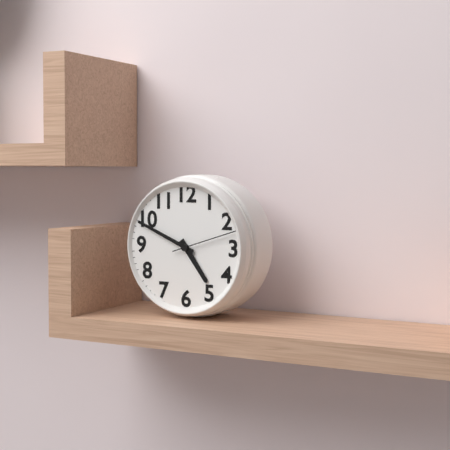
4:49:12
